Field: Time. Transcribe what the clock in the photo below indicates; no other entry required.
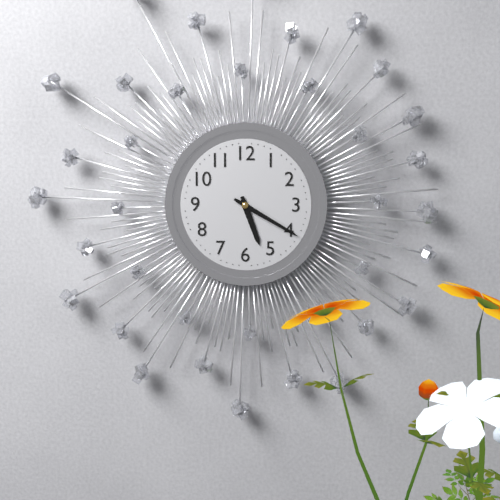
5:20
